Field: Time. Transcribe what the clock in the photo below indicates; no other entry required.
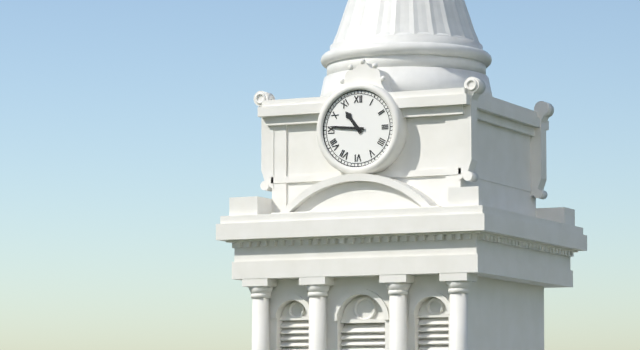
10:46
